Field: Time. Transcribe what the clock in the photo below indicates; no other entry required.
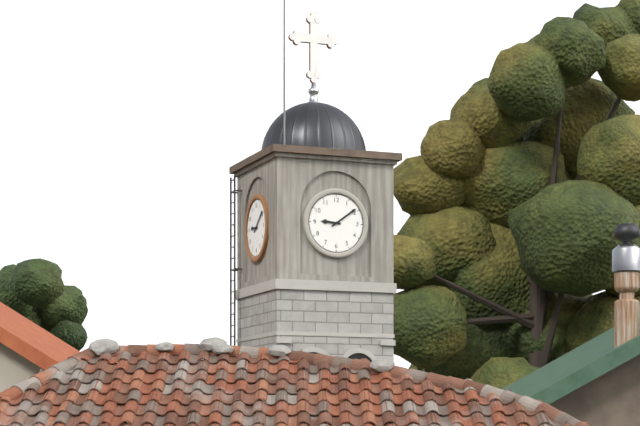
9:09
